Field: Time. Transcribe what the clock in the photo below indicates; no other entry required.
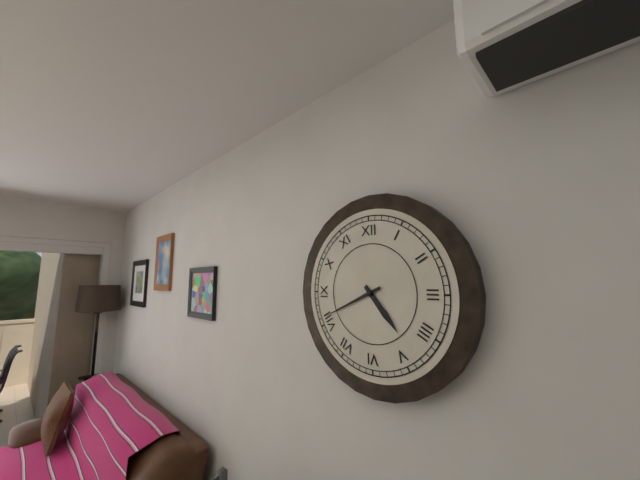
4:41
